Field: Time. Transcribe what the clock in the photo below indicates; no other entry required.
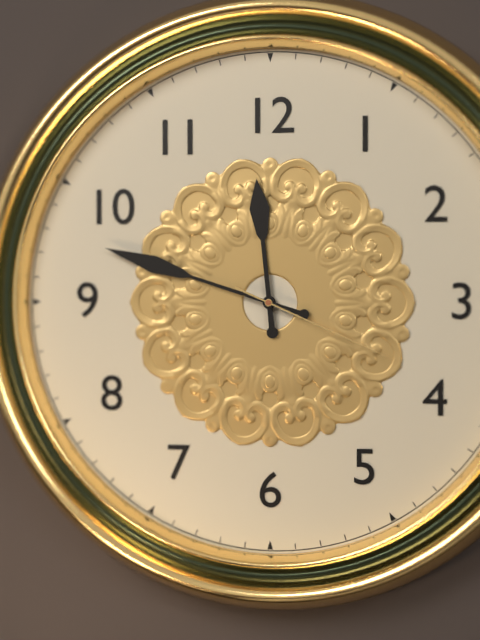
11:48:19
